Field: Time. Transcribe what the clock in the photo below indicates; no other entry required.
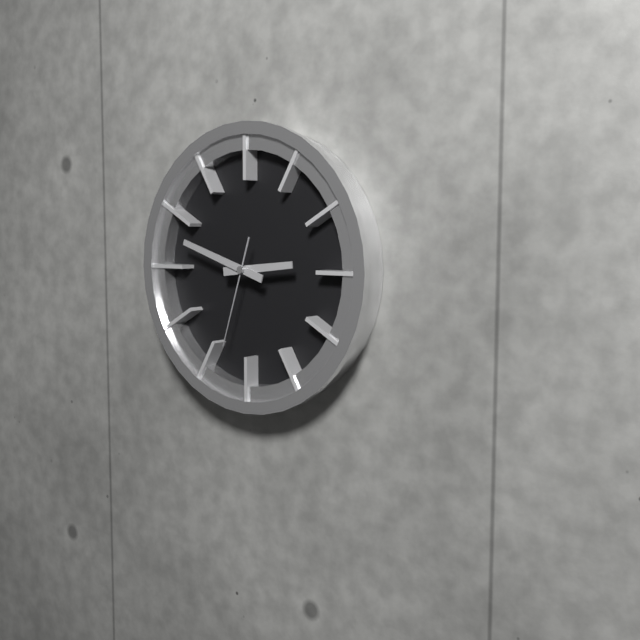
2:48:33
